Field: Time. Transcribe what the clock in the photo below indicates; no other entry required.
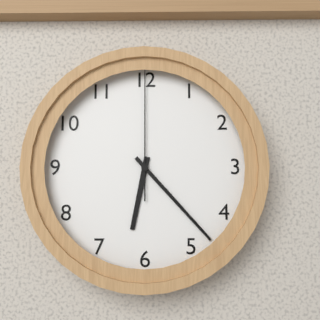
6:23:00
